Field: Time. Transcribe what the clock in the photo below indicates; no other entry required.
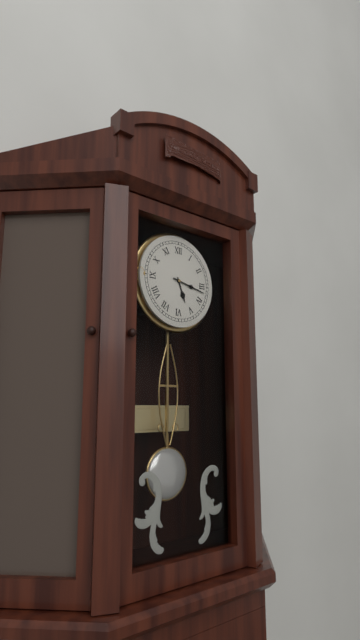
5:17
